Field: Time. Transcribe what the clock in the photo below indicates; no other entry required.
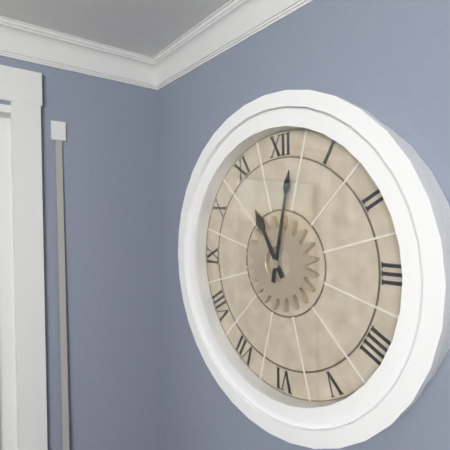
11:02
